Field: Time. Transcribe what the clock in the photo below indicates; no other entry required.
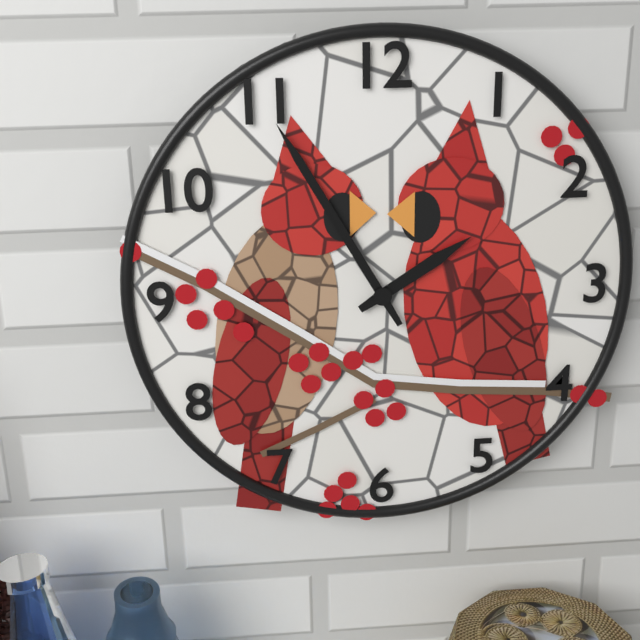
1:55
